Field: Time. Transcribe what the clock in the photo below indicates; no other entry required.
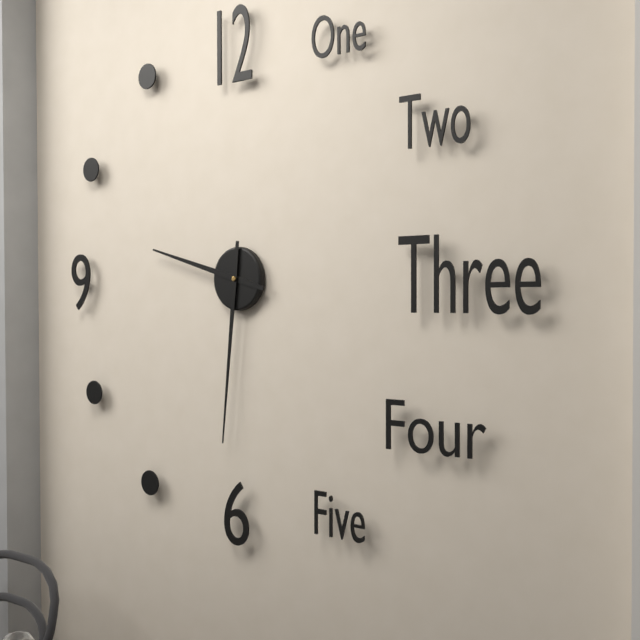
9:31
